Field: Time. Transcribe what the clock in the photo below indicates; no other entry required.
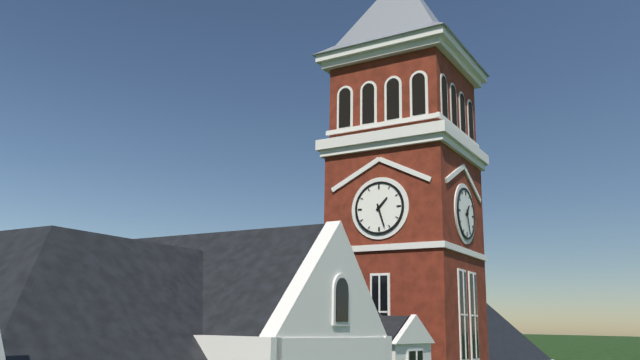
1:27
